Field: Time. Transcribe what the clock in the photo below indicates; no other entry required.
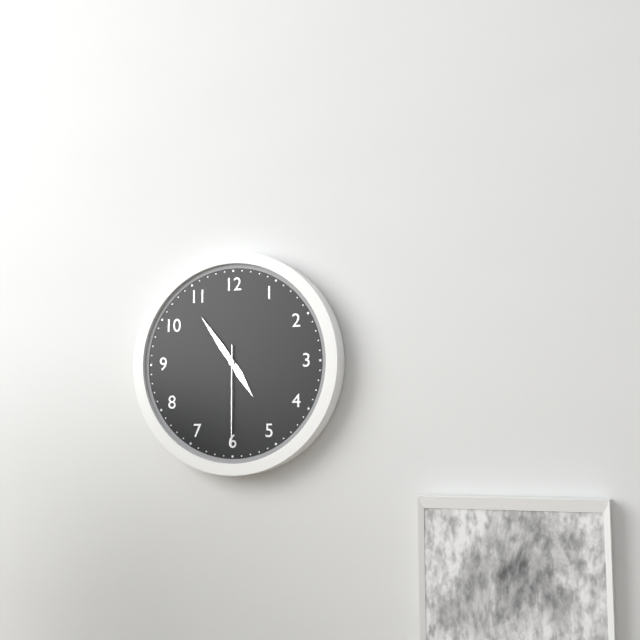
4:54:30
